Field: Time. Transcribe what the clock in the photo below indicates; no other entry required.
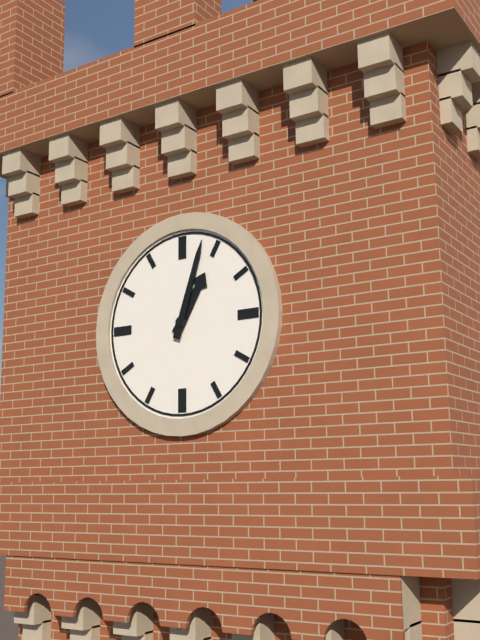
1:03
